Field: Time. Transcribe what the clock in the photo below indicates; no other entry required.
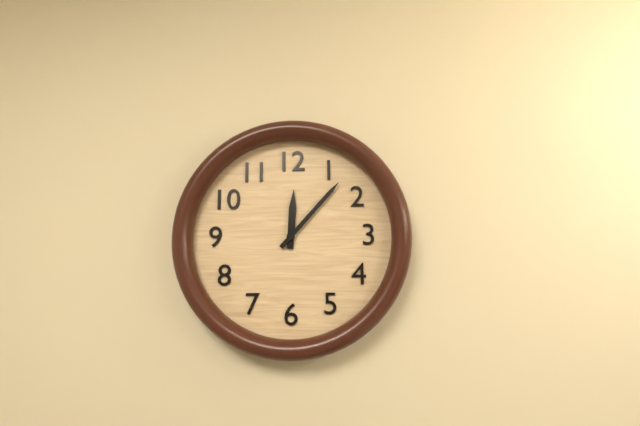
12:07
